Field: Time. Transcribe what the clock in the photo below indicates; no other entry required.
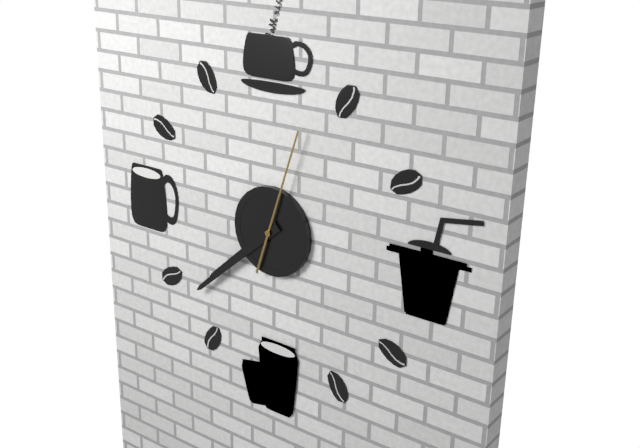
7:38:03
